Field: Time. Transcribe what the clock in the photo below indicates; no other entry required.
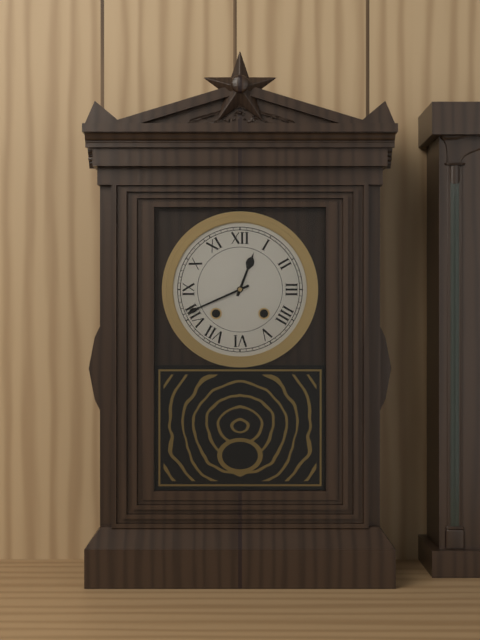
12:41
